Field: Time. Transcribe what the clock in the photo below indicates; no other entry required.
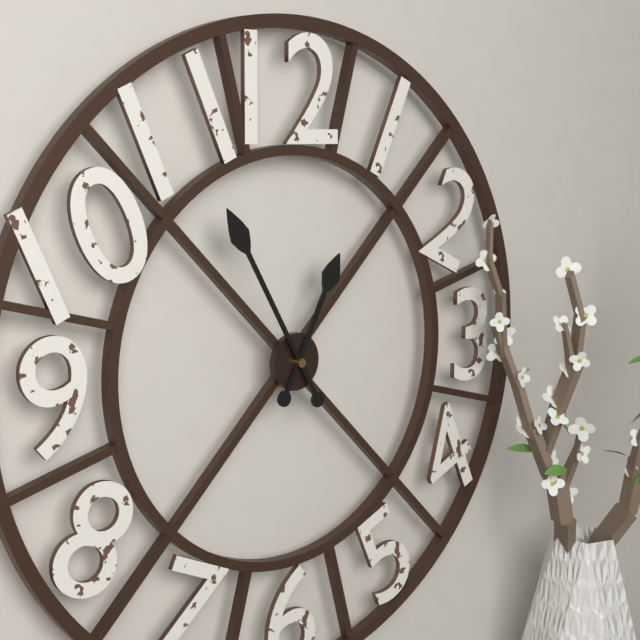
12:55
